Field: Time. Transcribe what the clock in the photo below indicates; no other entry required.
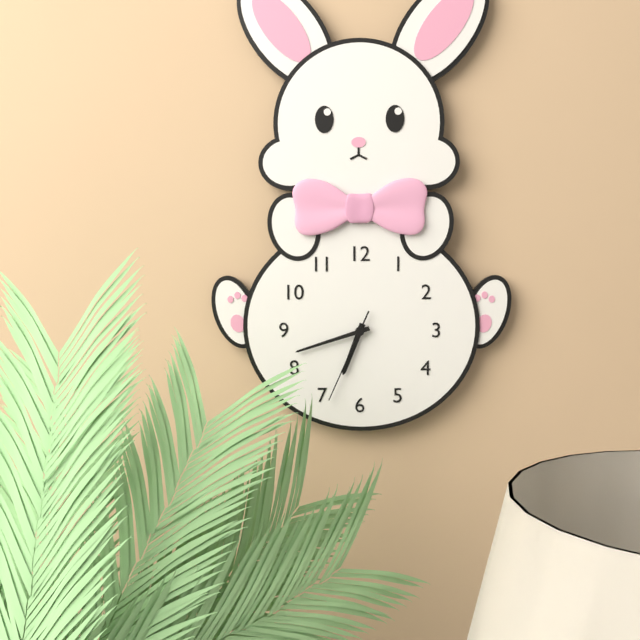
6:42:34
